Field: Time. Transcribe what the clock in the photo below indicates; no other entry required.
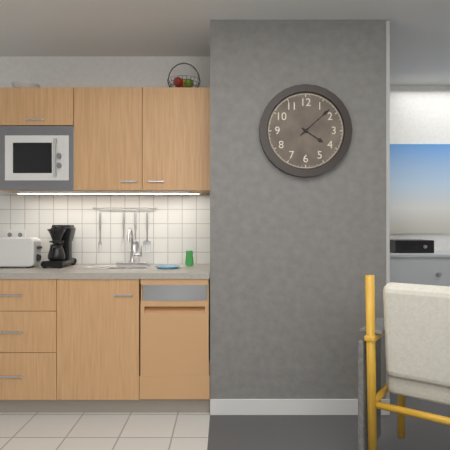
4:08
